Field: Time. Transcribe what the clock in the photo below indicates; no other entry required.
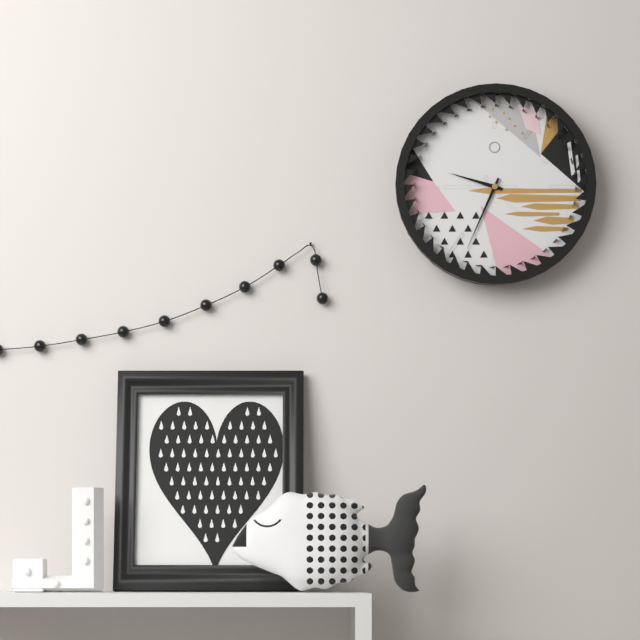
9:34
